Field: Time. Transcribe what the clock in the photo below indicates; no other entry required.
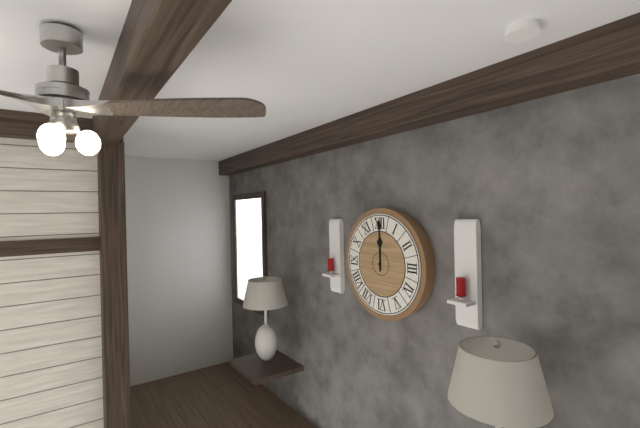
12:00
